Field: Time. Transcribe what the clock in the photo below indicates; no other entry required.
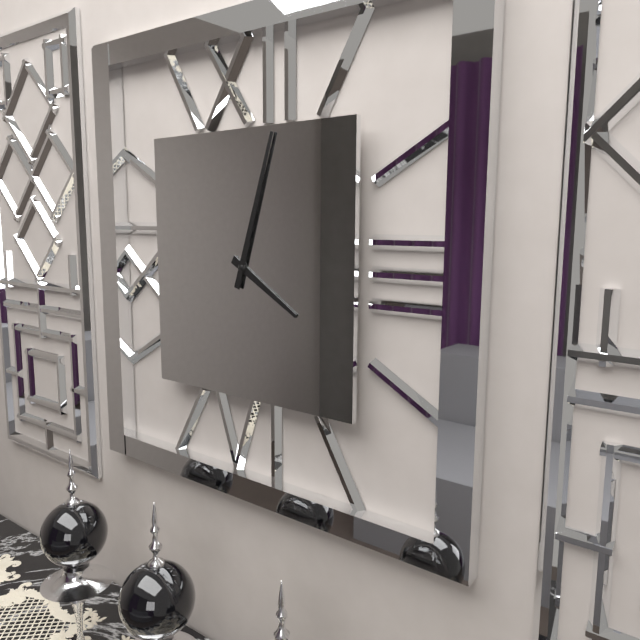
4:03
